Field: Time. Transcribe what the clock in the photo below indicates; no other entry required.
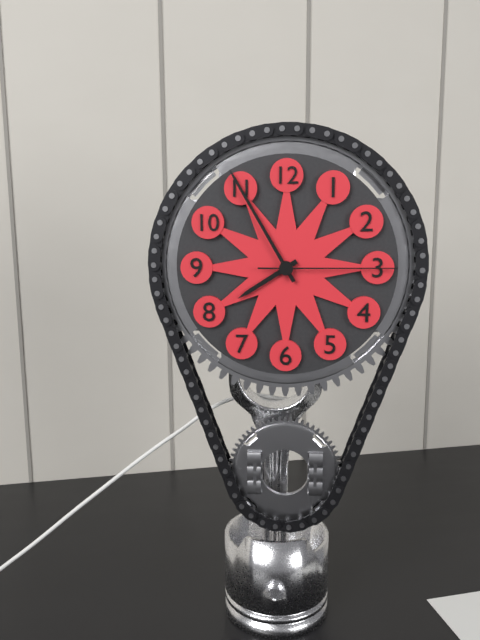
7:55:15
